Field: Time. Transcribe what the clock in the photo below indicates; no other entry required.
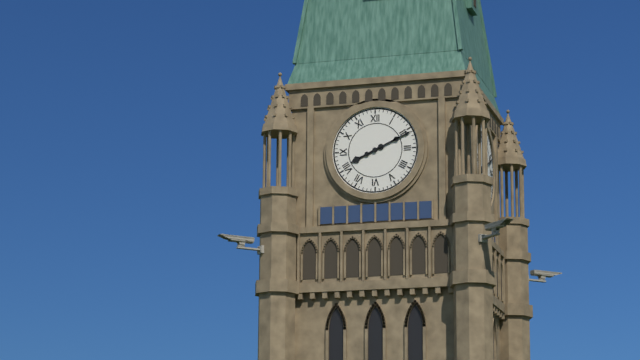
8:11
